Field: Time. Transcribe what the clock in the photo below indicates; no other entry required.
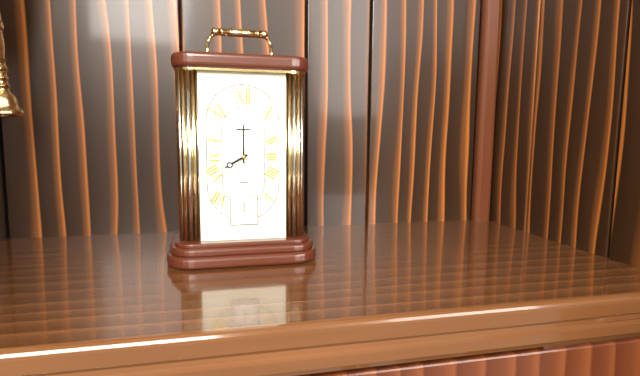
8:00
